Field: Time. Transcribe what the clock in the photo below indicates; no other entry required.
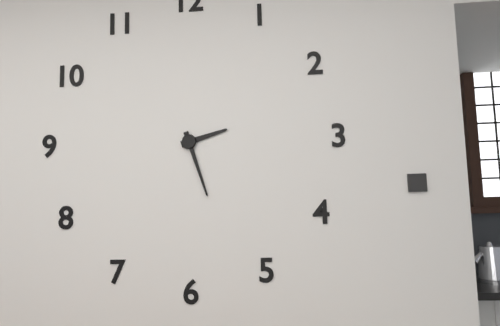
2:27
